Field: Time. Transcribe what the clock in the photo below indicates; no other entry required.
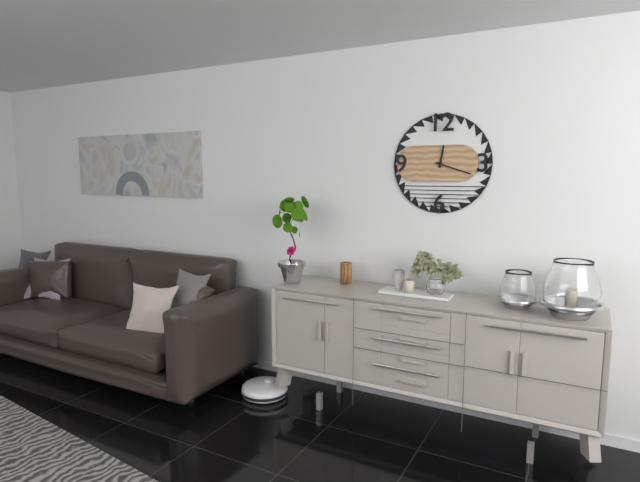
12:18
